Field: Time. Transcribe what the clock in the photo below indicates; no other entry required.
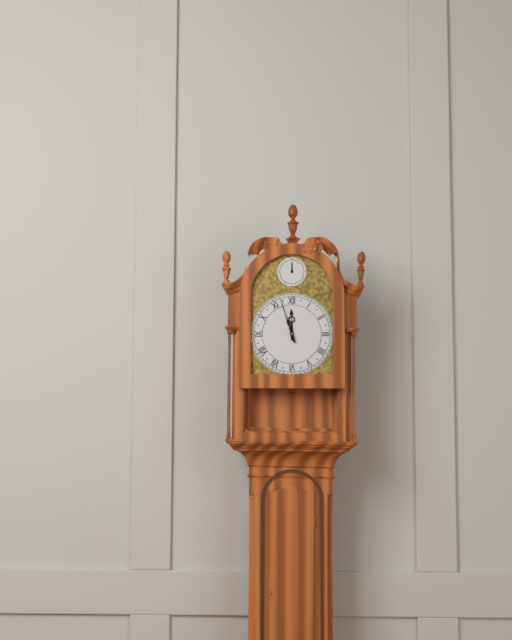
11:57
